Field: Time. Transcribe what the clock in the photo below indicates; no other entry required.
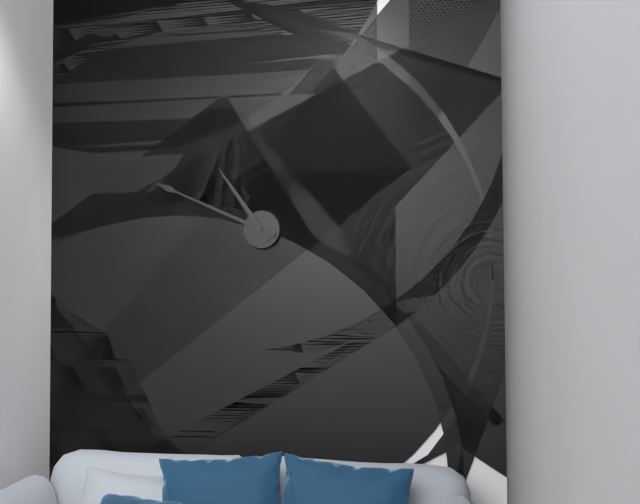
10:49
